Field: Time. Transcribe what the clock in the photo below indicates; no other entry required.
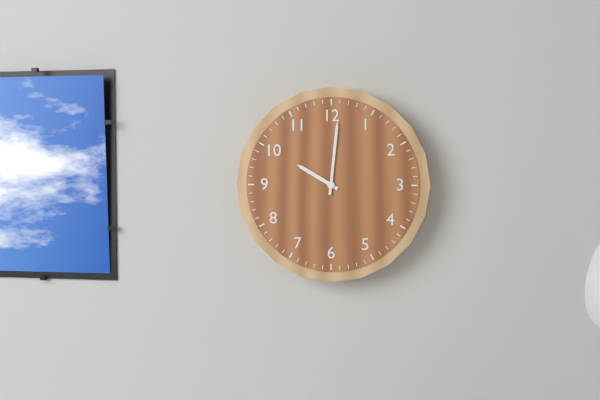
10:01
